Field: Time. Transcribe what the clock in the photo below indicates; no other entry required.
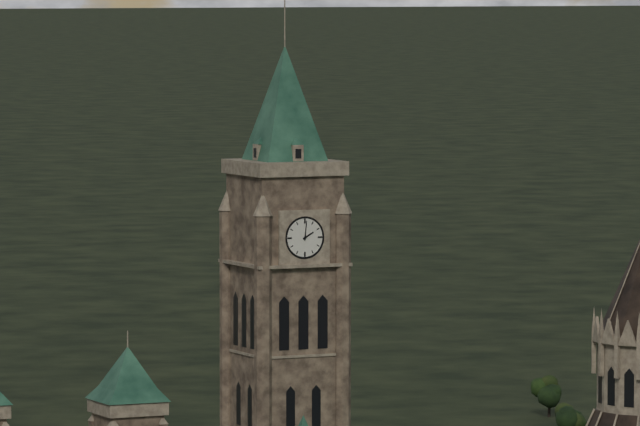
2:01
